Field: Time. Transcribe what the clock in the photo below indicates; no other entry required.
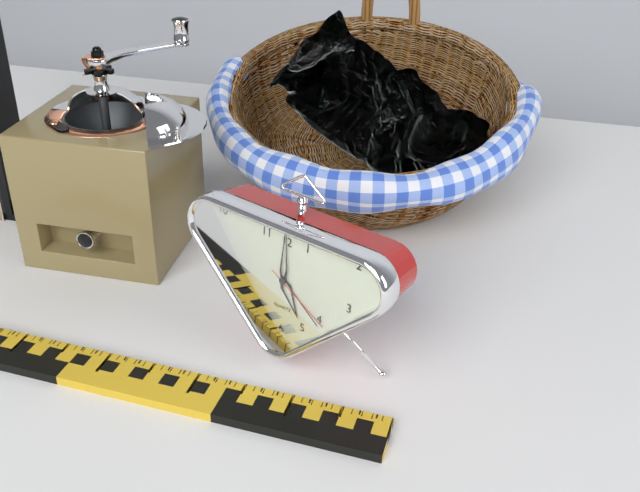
5:00:20
